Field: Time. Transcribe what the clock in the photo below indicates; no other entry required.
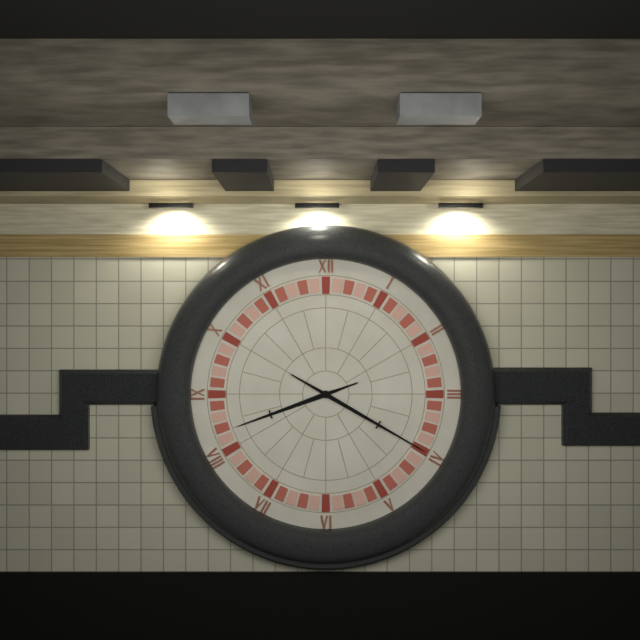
8:20
